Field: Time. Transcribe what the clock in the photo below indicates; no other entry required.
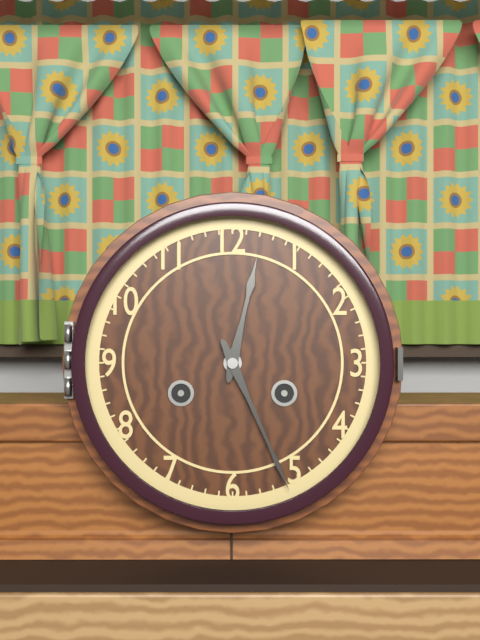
12:26
